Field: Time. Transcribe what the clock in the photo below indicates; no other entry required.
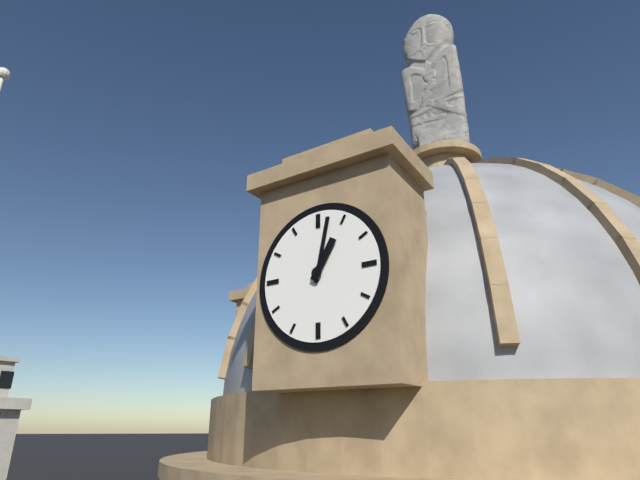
1:02
